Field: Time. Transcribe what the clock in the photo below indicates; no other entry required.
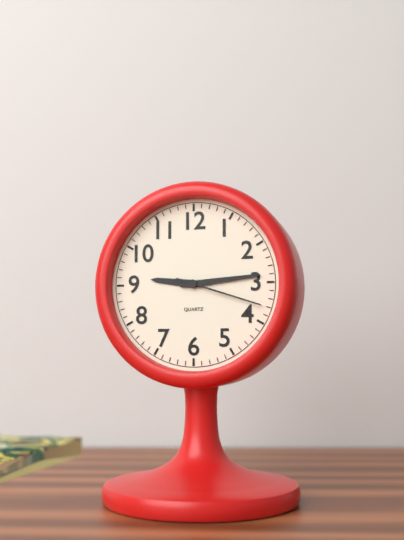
9:14:18
